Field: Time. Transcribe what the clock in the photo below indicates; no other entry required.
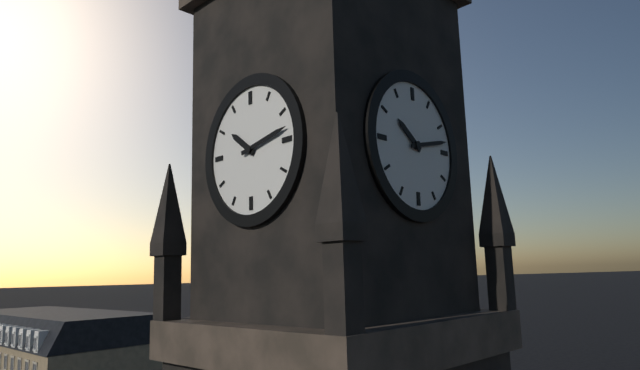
10:13
